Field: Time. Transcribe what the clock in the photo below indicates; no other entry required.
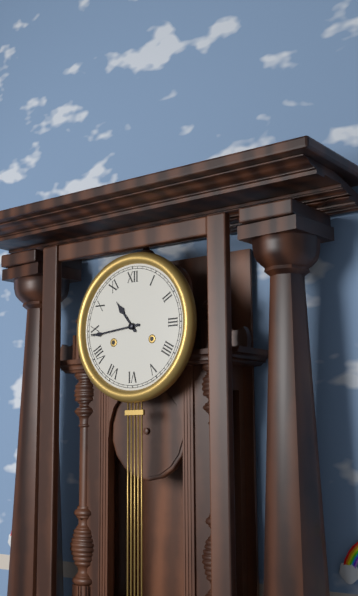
10:44
